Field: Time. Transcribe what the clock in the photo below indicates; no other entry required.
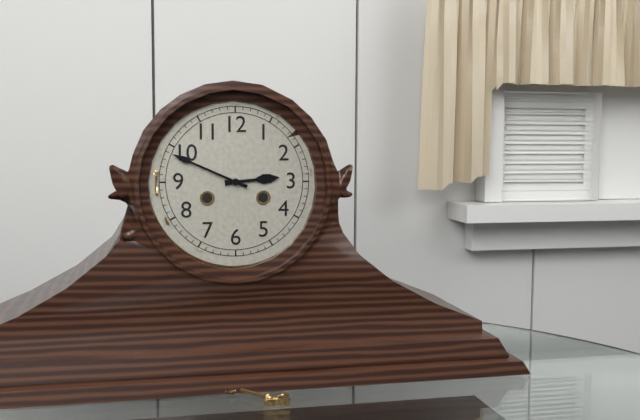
2:49
